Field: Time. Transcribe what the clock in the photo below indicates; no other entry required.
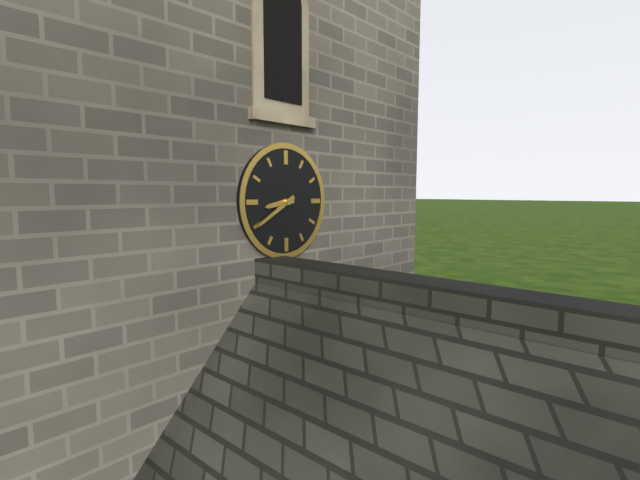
8:40
